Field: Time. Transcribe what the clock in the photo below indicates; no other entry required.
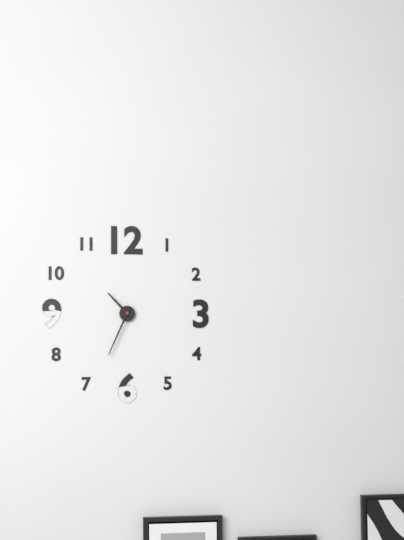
10:34
